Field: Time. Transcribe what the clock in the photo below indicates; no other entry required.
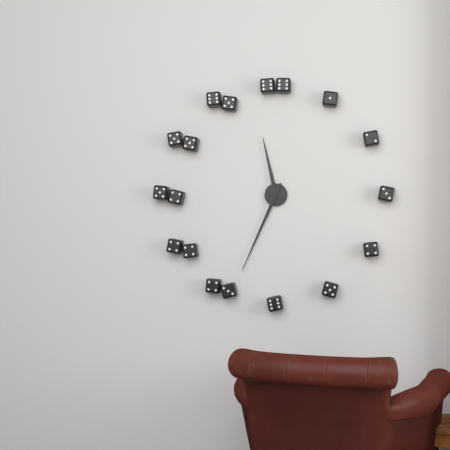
11:34
